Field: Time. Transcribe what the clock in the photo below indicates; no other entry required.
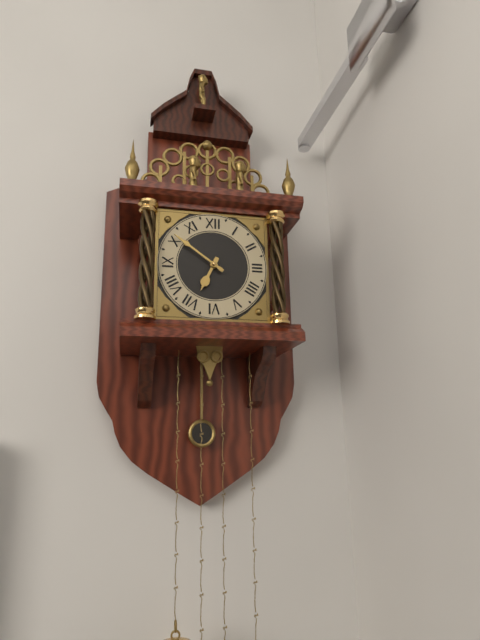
6:51
